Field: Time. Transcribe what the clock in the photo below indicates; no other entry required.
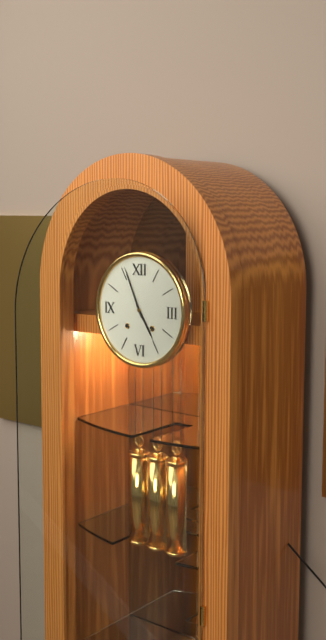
4:56
